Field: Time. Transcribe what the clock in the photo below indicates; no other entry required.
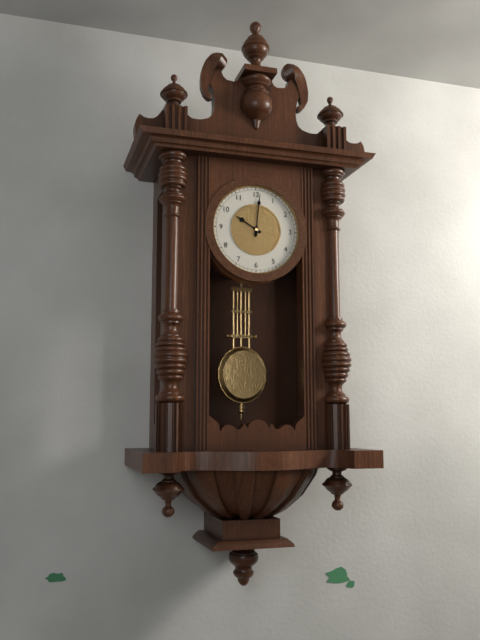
10:01
